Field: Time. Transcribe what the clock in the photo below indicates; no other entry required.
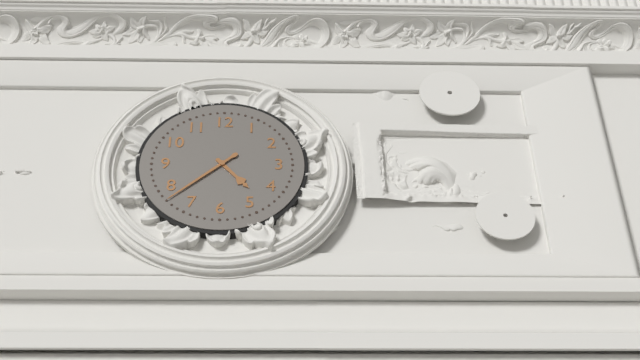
4:38
